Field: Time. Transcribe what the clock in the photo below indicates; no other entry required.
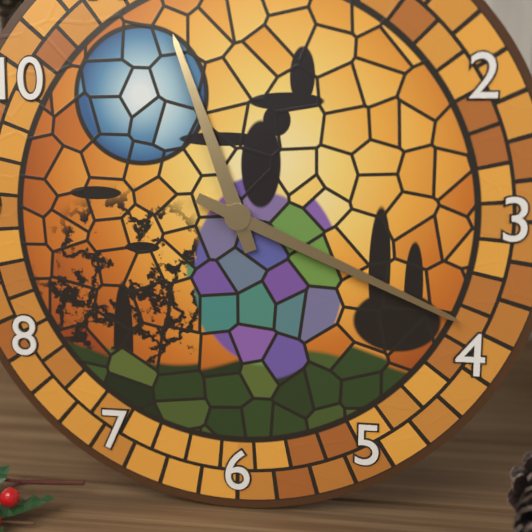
11:19
